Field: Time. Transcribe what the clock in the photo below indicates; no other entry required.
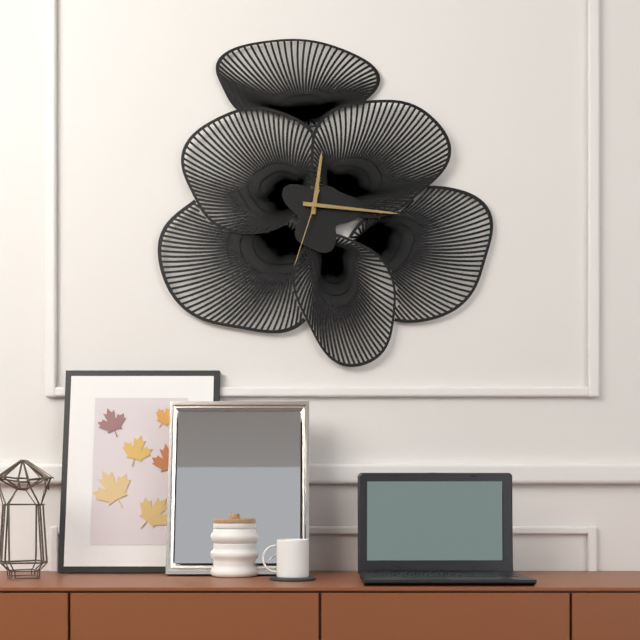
12:16:33
